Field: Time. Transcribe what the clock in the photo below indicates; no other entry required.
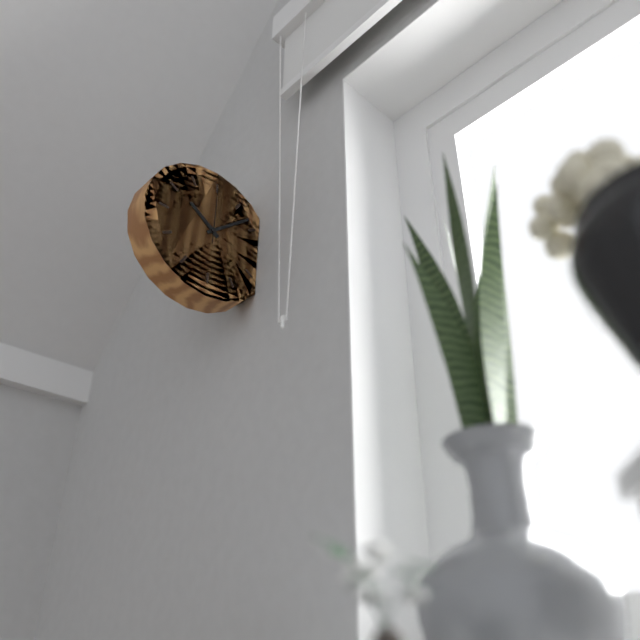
10:08:00
